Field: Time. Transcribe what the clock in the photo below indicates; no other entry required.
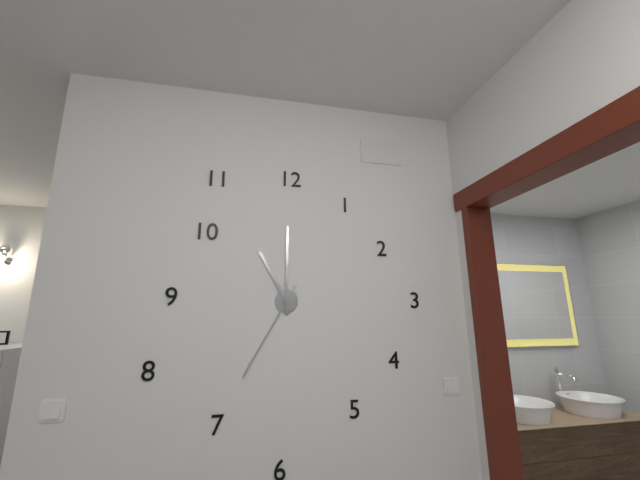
11:00:35
